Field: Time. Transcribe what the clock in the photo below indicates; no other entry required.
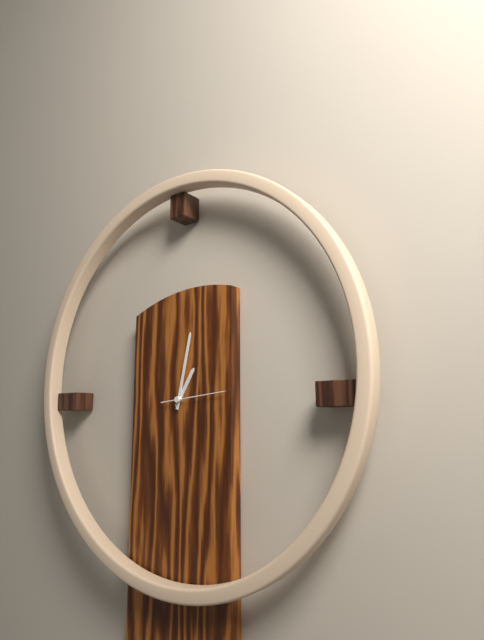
1:02:14
